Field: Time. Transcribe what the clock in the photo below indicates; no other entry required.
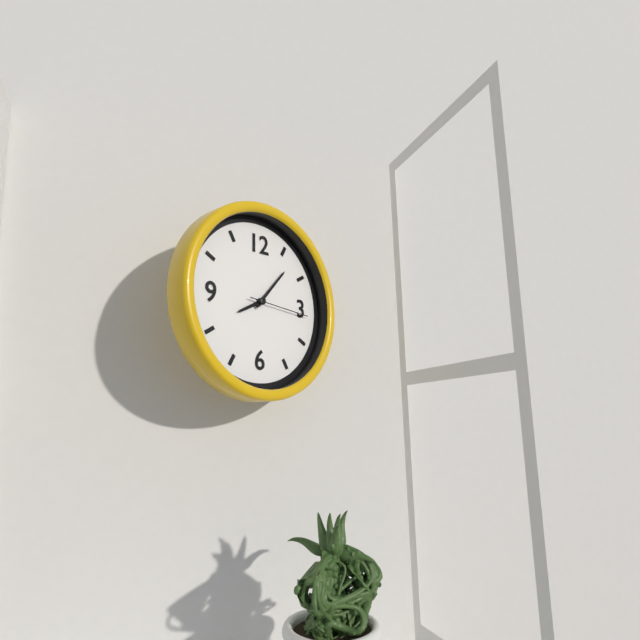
8:07:16
